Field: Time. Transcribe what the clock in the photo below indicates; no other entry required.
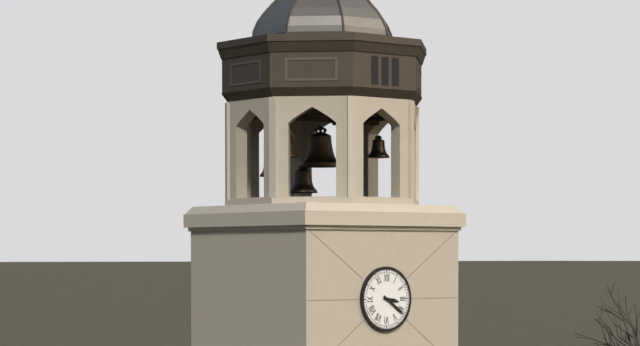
3:21
